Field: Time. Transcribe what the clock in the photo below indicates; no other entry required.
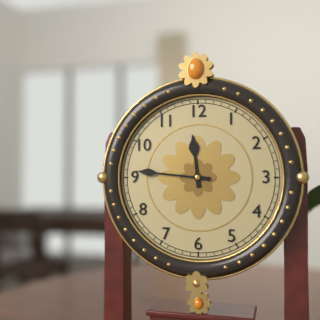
11:46
